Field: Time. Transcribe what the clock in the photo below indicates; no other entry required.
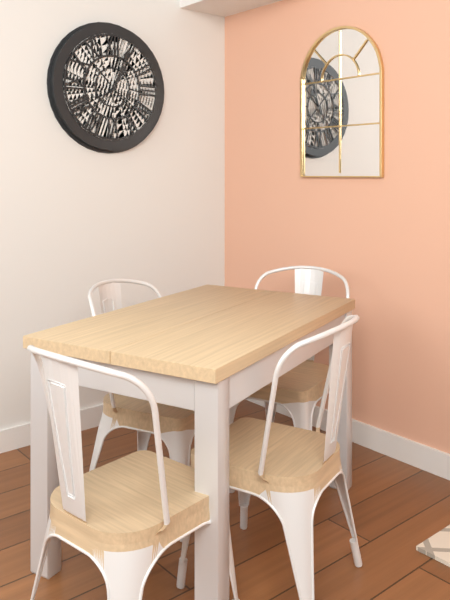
1:04
